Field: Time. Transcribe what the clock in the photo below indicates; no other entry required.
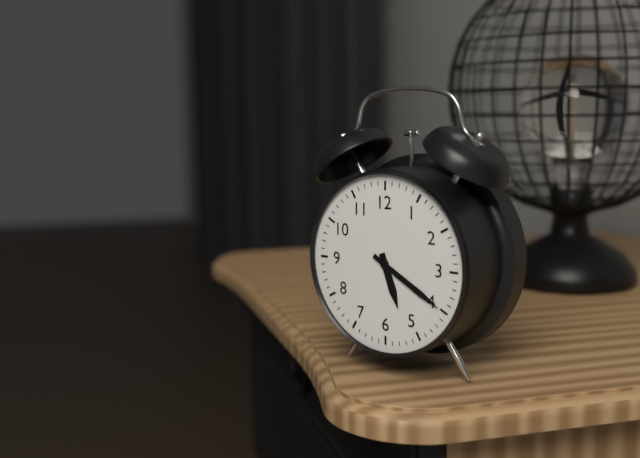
5:20
